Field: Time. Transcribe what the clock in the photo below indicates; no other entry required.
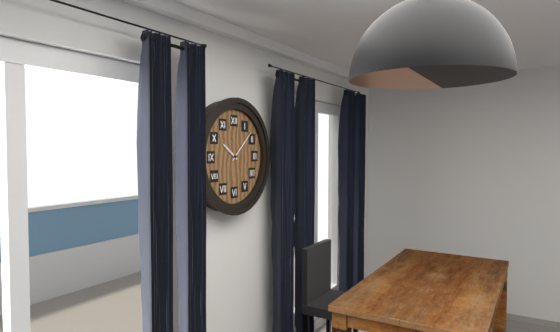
10:08
